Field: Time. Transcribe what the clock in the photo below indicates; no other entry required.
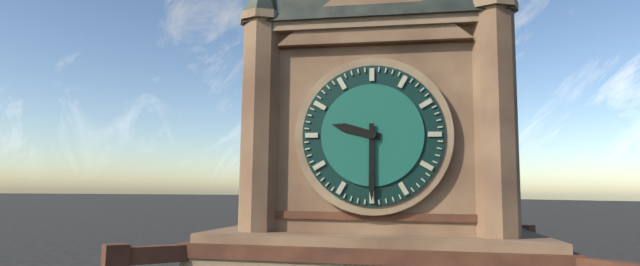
9:30
